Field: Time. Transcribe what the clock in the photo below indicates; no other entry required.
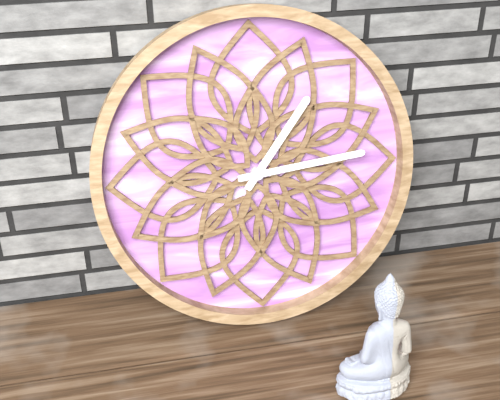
1:14
